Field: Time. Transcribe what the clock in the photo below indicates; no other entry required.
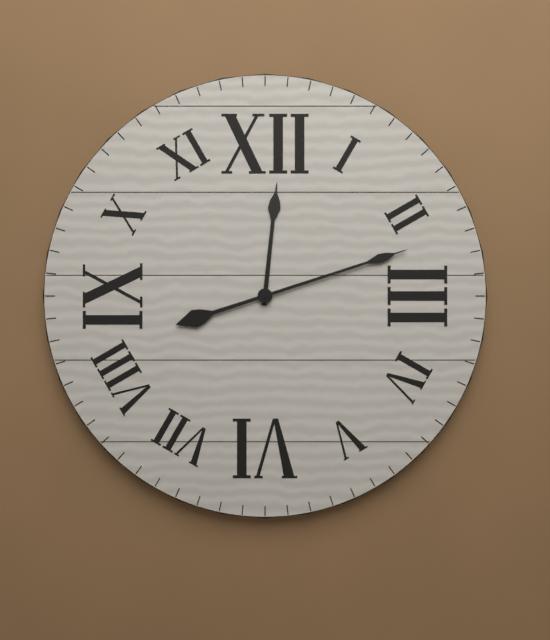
12:12
